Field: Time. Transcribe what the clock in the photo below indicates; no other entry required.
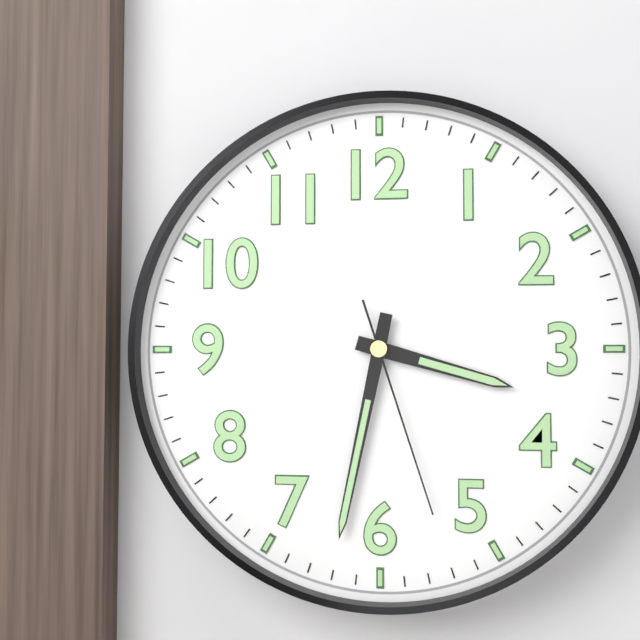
3:32:27
